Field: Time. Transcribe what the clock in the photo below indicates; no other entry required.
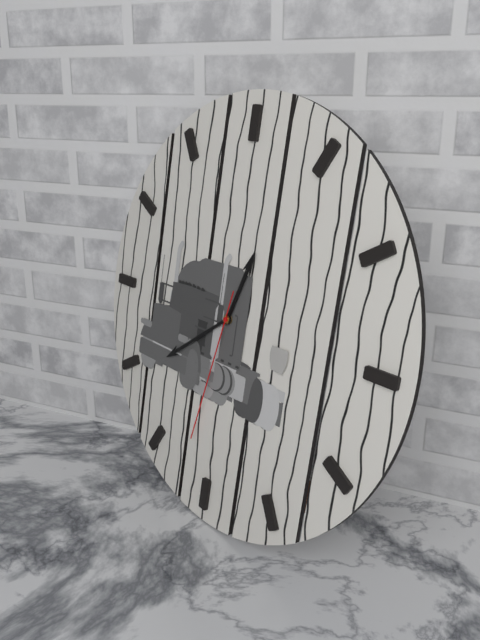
12:39:32
